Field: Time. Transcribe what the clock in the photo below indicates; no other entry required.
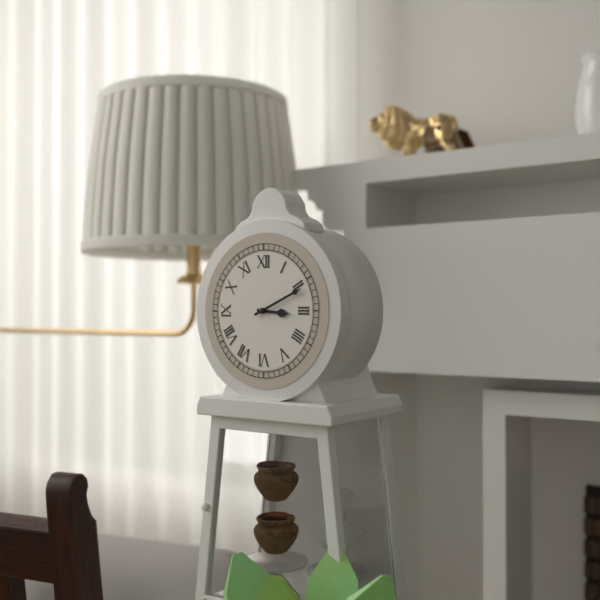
3:11
